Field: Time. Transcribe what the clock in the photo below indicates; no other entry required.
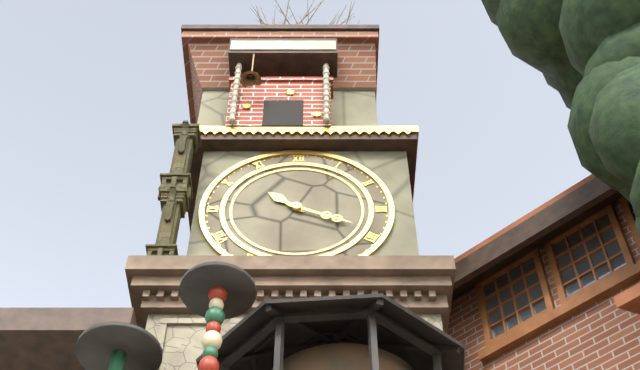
10:19
